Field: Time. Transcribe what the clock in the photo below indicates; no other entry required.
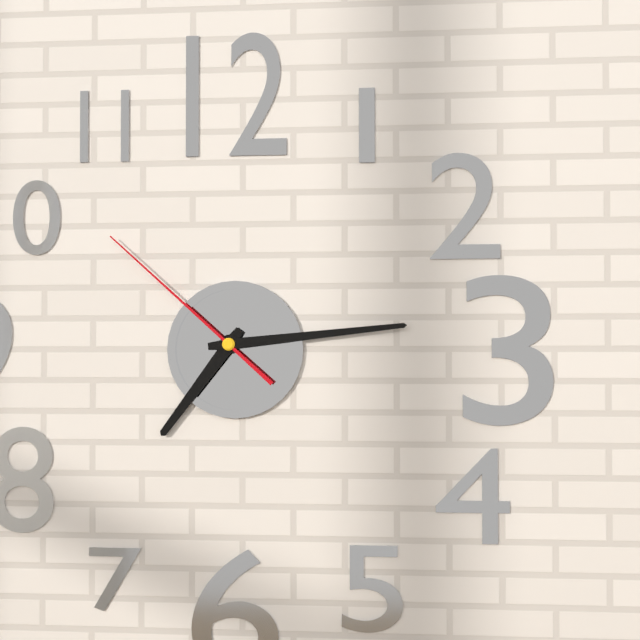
7:14:52
